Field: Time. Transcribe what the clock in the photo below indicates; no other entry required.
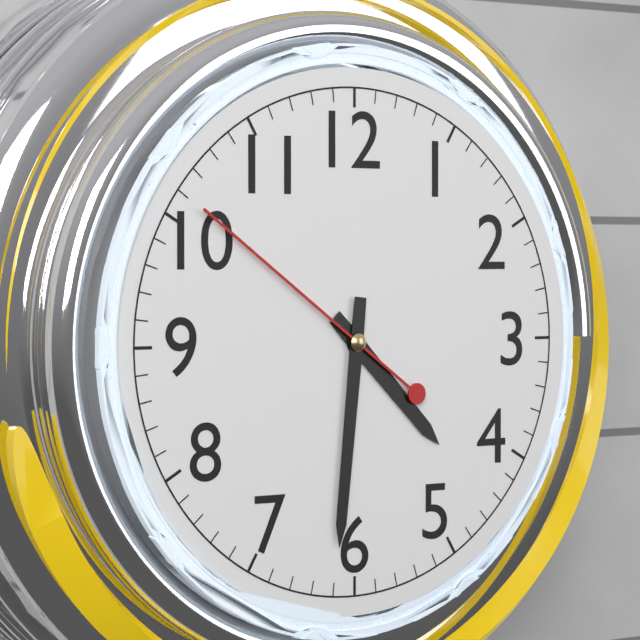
4:31:51
